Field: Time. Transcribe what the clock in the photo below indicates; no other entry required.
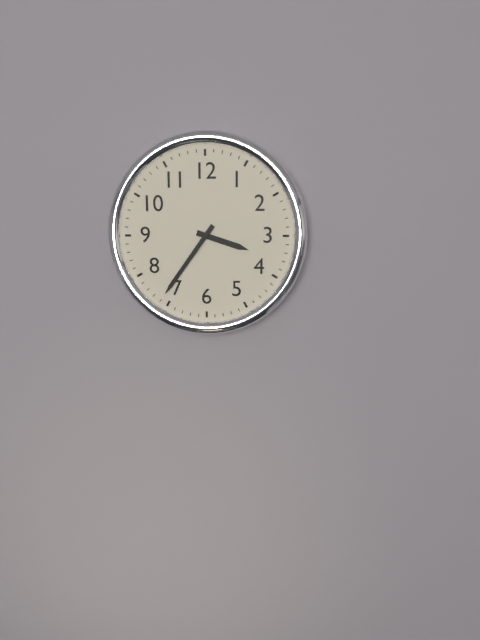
3:36
